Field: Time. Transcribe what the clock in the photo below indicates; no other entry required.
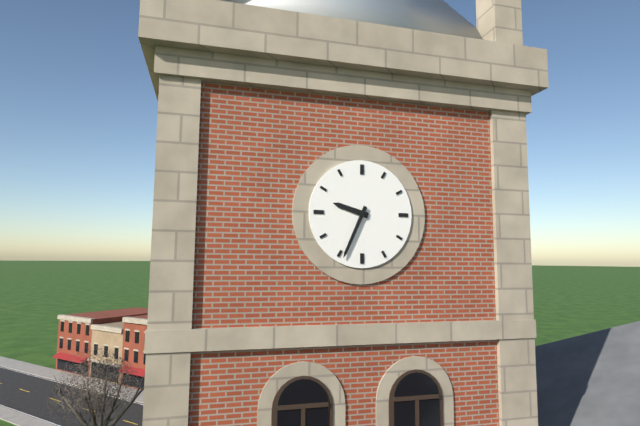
9:34
